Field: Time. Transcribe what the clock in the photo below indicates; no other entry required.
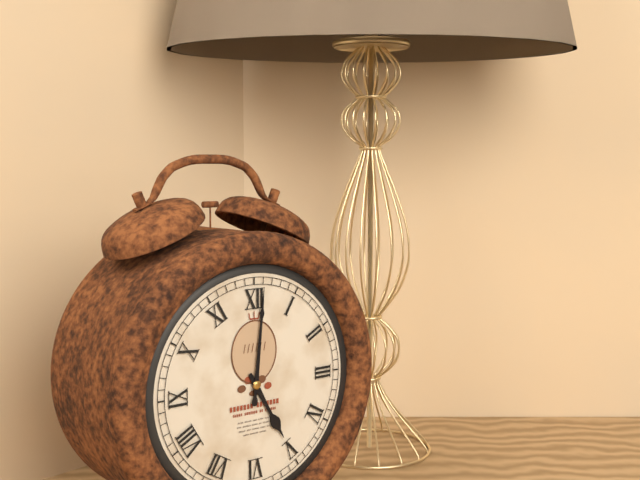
5:01
